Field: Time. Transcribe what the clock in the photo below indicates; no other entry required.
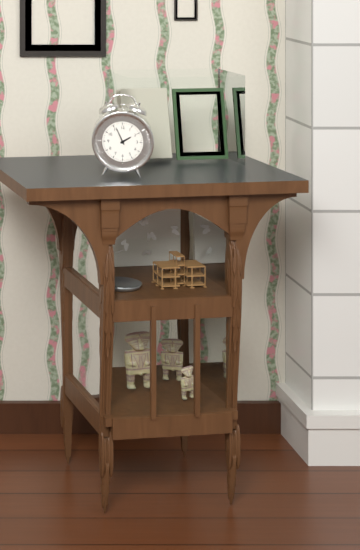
1:56
